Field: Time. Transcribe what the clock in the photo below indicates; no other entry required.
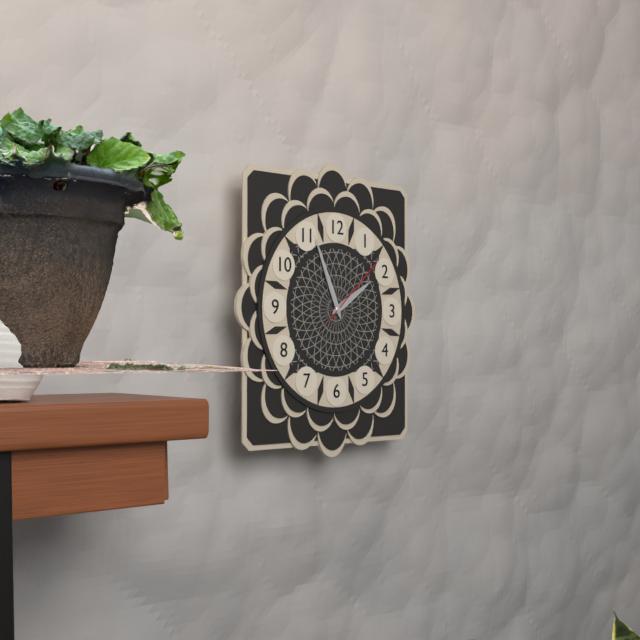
1:56:08
